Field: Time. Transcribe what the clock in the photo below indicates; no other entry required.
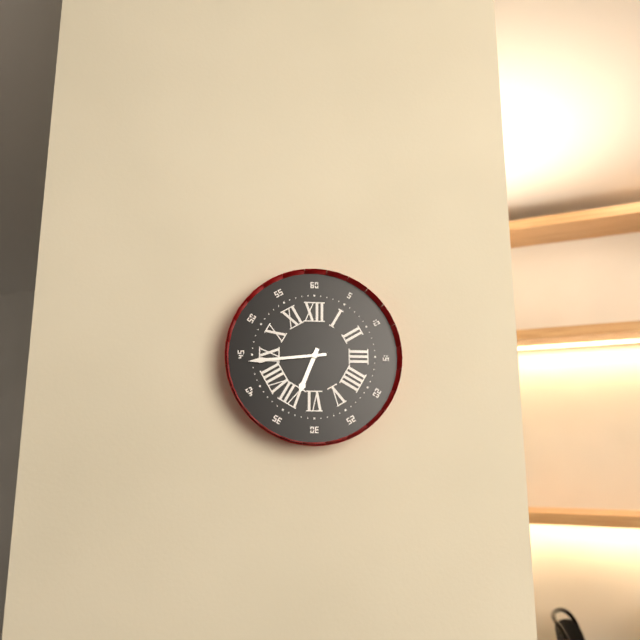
6:44
